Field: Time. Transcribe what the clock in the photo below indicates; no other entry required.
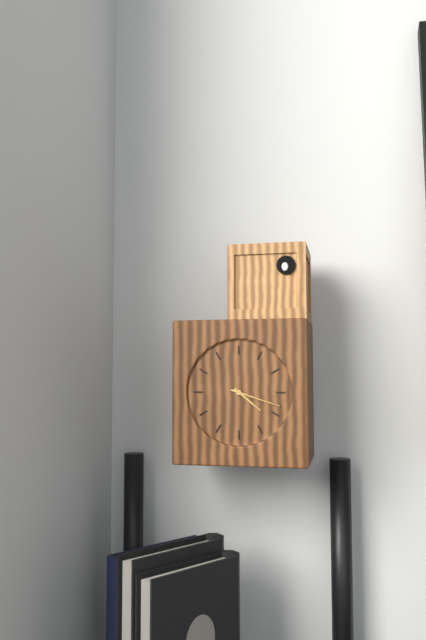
4:18
